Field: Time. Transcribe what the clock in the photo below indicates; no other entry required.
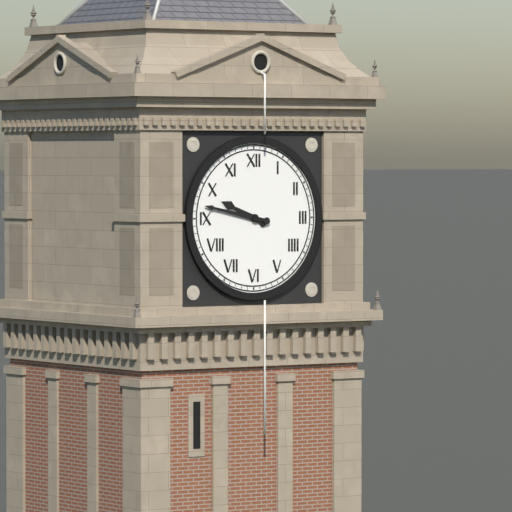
9:47
